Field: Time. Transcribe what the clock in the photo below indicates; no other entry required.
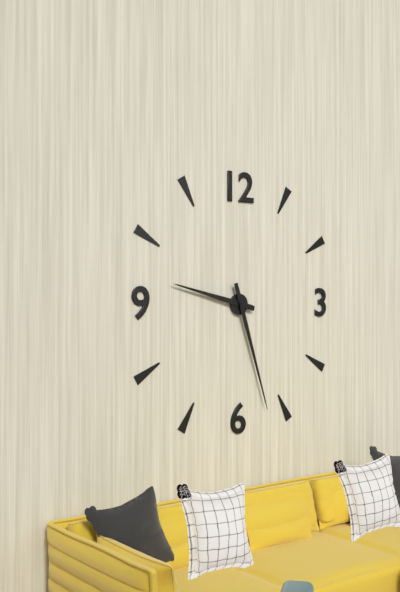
9:27
